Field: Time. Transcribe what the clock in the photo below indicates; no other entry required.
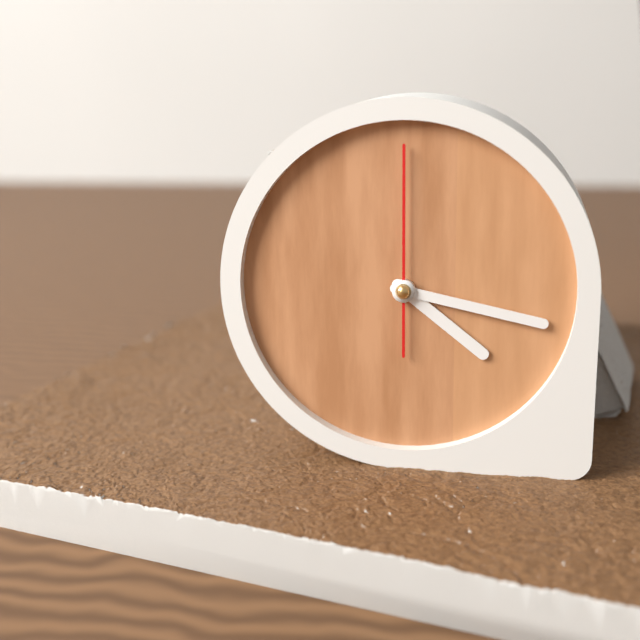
4:17:00
